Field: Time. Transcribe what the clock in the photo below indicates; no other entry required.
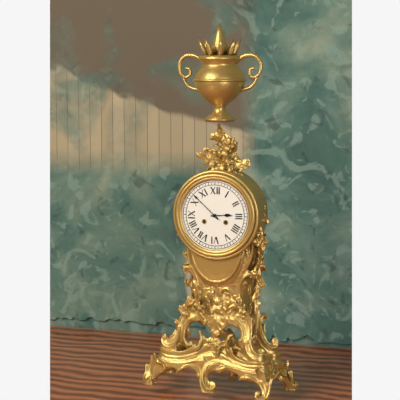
2:52
